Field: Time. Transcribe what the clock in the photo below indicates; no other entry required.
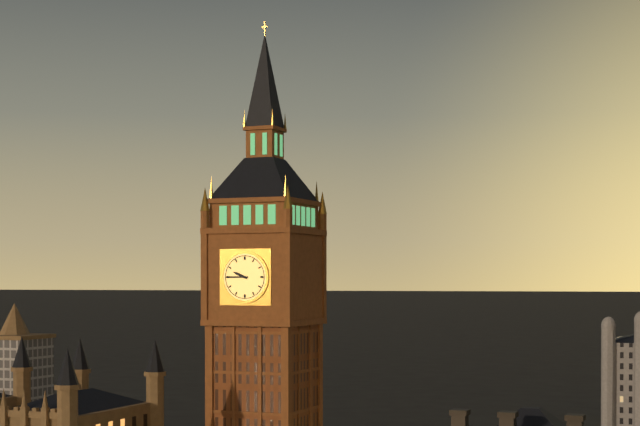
9:45
